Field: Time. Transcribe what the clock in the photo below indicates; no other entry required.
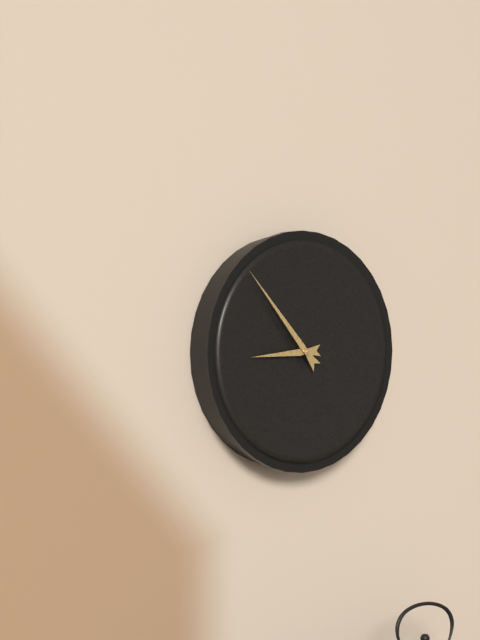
8:53
